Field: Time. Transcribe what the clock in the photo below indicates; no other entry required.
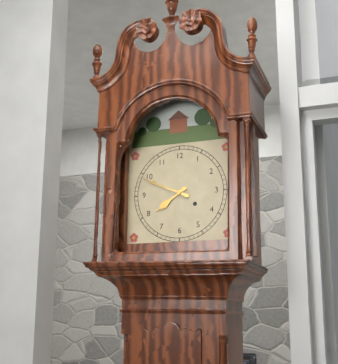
7:49
